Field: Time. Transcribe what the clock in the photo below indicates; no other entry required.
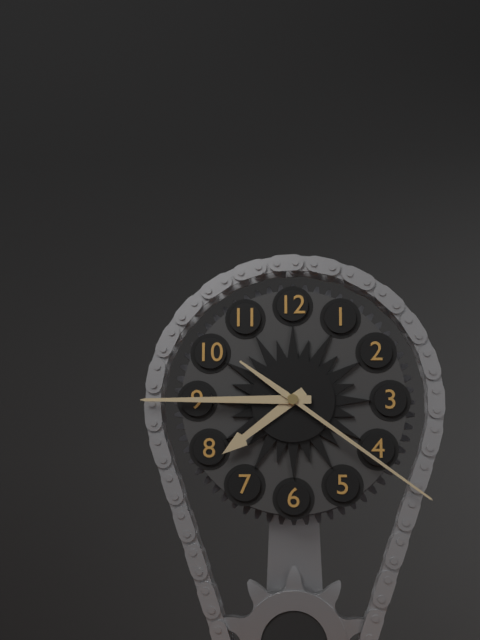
7:45:21
